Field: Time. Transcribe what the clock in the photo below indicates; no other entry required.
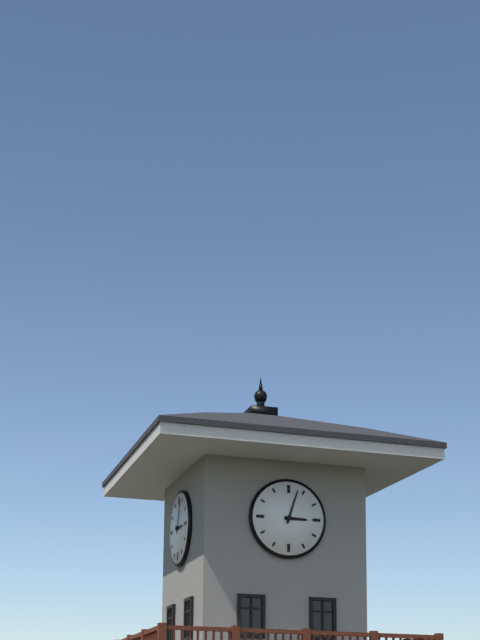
3:03
